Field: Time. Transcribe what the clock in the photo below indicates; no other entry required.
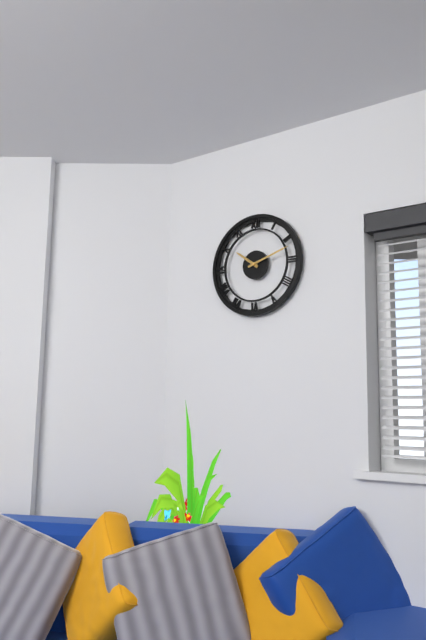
10:12
